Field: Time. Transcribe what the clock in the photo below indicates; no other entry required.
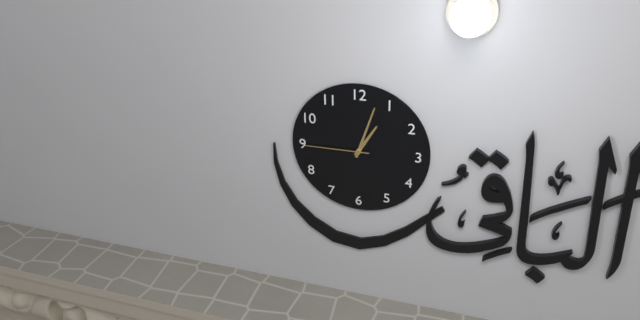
1:03:45
